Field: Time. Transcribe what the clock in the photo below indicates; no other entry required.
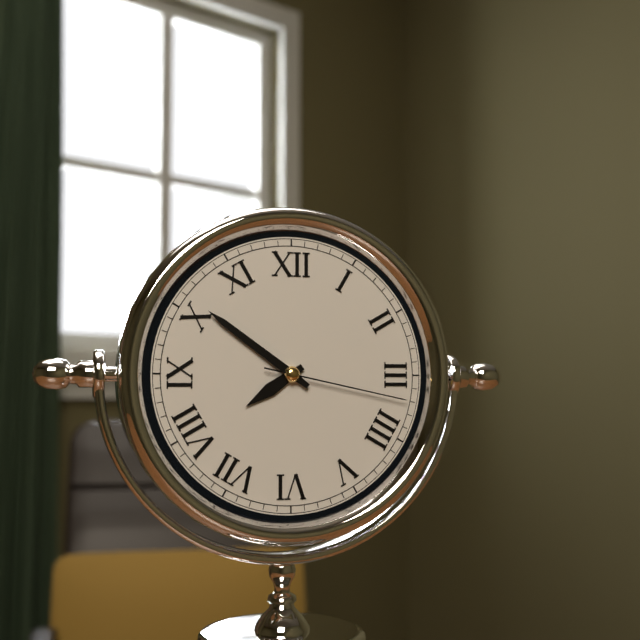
7:51:17
